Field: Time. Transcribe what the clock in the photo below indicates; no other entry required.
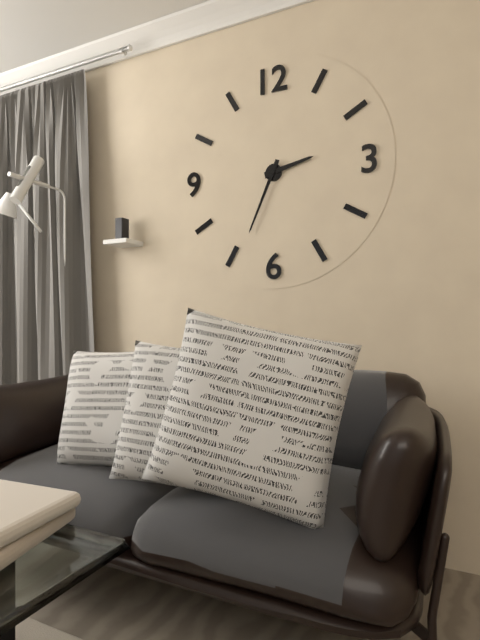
2:34
